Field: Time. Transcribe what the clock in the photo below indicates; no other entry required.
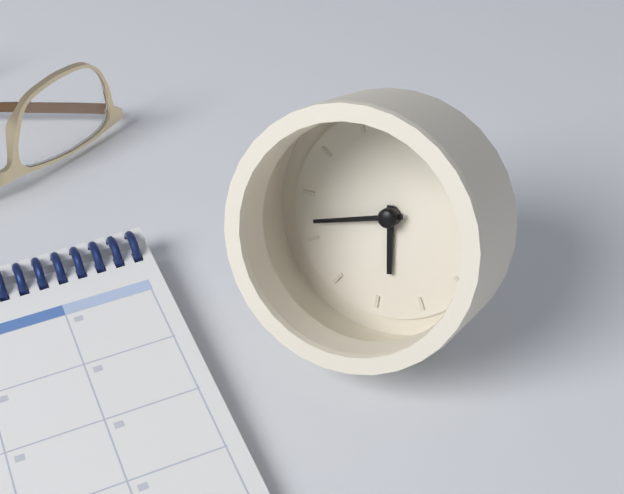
5:42
